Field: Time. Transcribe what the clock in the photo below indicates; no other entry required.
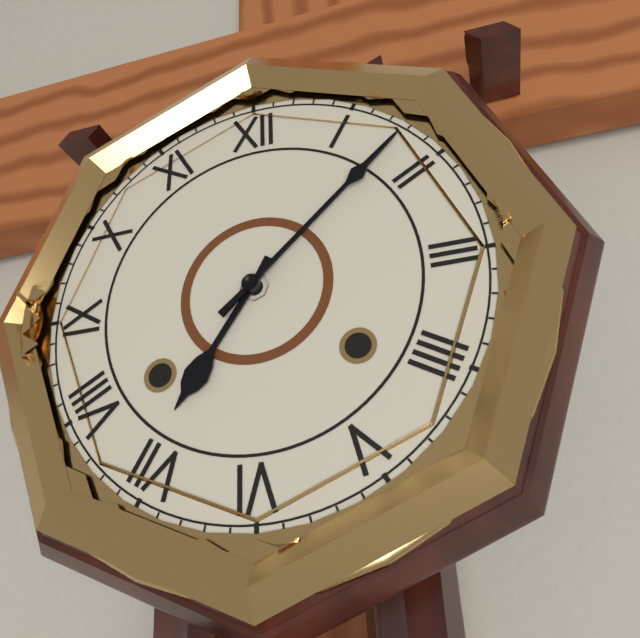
7:08
